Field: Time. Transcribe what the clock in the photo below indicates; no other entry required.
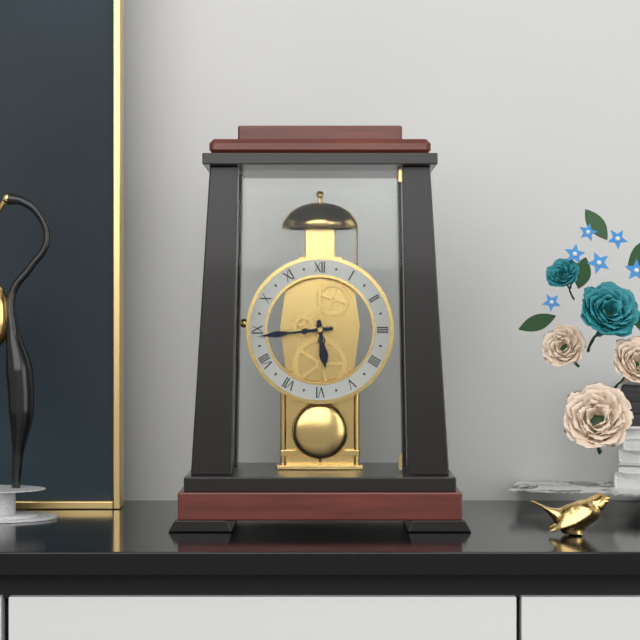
5:44
